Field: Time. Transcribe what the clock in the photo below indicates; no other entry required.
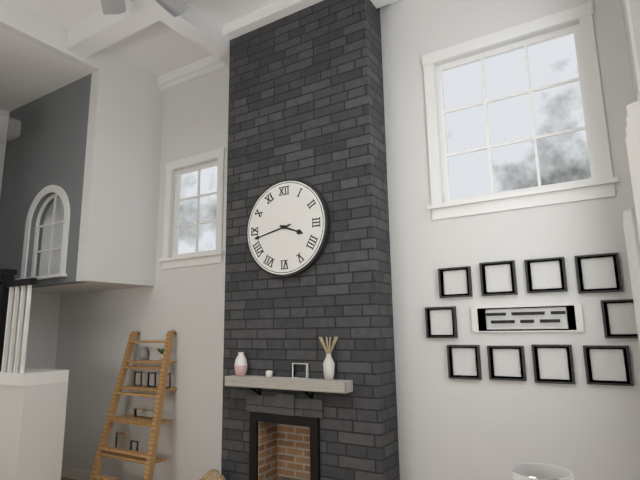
3:43
